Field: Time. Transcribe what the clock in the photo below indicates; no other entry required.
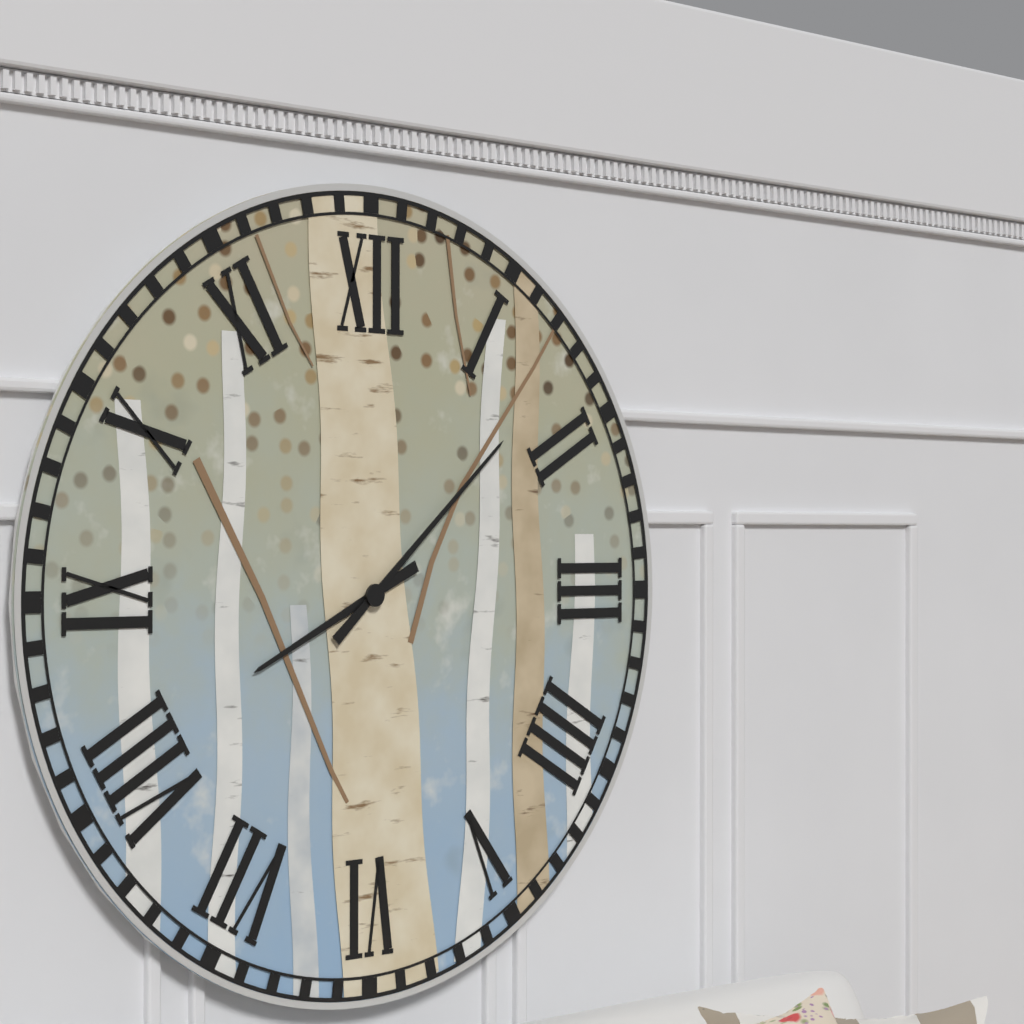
8:08
